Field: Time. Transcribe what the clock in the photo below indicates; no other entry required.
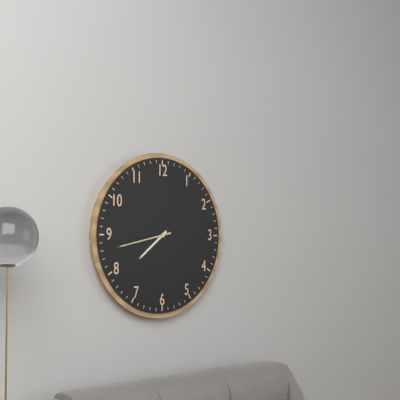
7:43
